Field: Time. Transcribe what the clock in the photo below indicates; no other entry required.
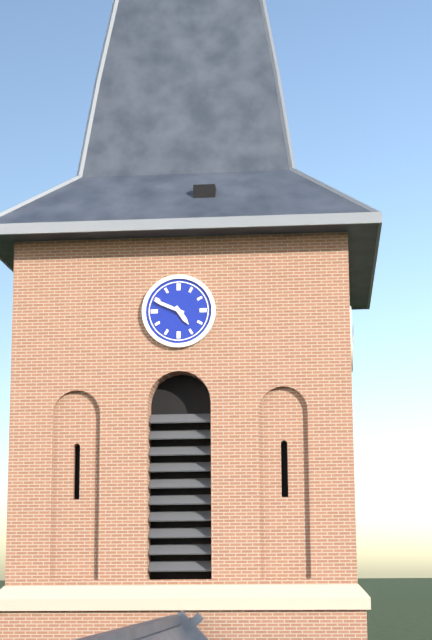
4:49
